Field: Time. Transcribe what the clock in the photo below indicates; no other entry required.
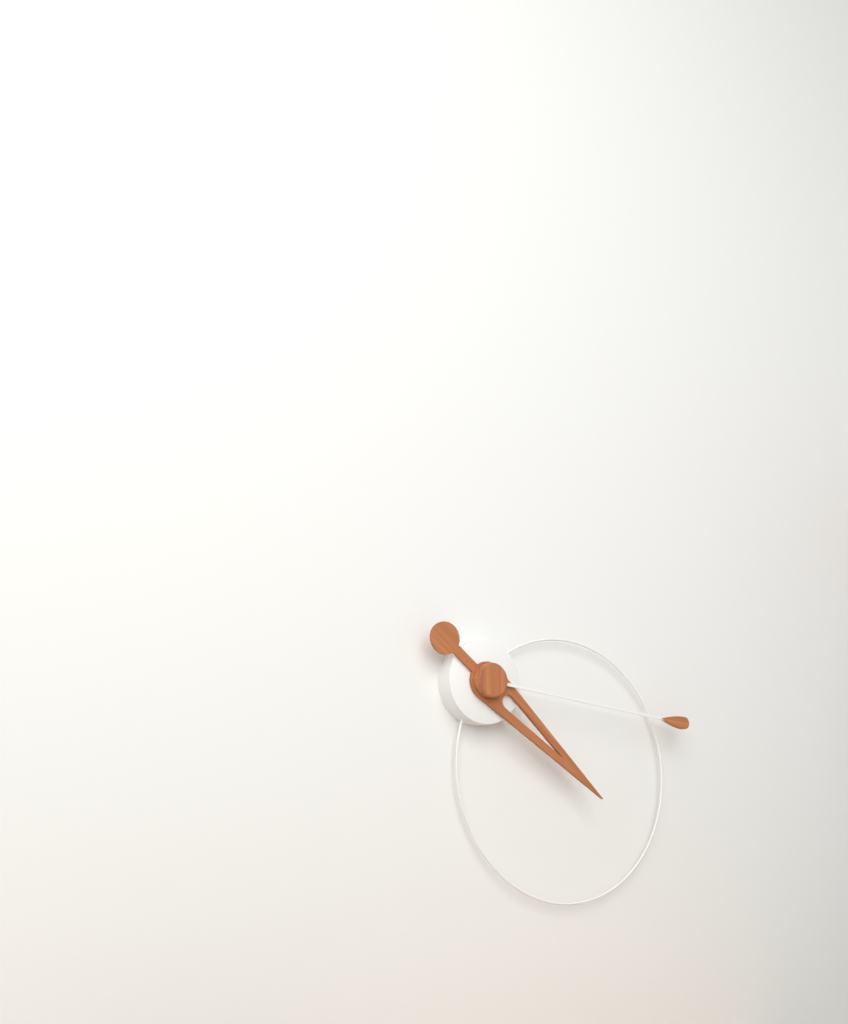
4:16
